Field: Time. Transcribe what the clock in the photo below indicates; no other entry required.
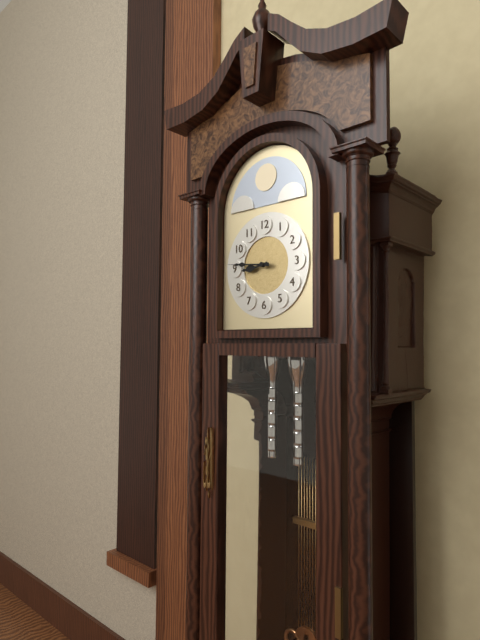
8:46
